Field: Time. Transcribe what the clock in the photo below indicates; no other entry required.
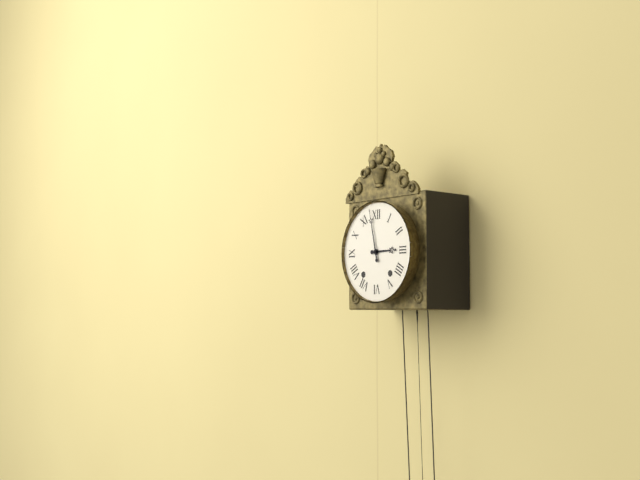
2:58
